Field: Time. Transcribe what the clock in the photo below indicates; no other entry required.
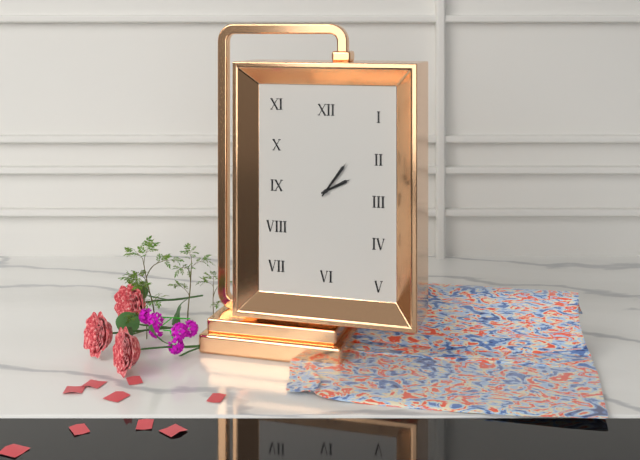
2:06
